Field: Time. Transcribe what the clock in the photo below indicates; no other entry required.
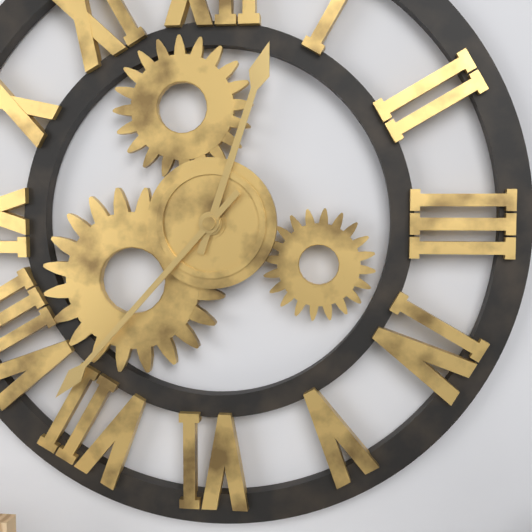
12:37
